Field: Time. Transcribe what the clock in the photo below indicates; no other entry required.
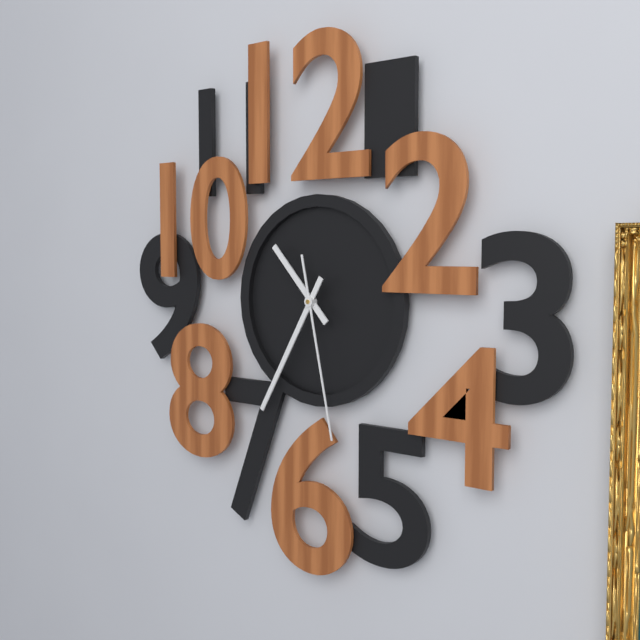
10:35:28
